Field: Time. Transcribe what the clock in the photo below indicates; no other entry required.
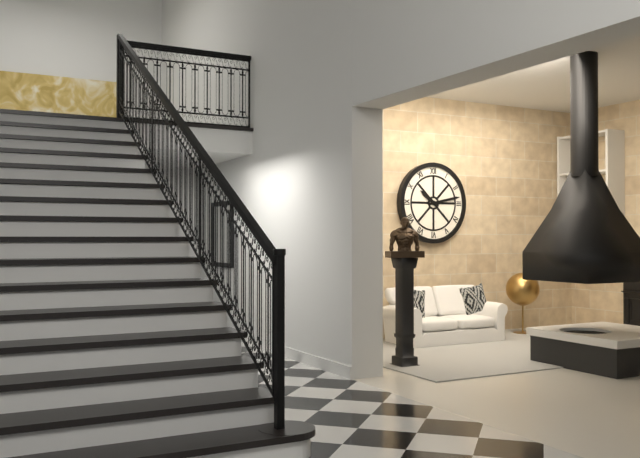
10:13
